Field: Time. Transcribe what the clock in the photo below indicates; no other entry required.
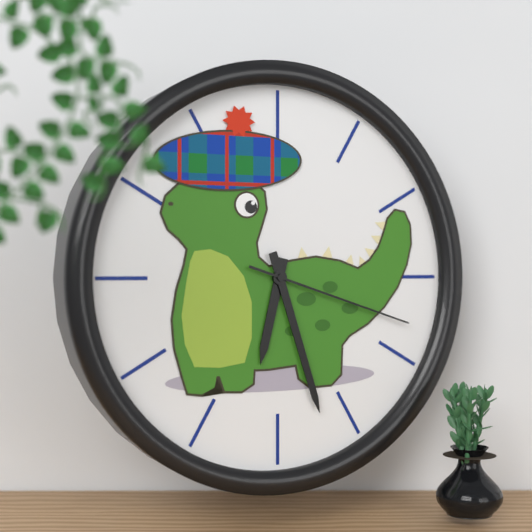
6:27:18
